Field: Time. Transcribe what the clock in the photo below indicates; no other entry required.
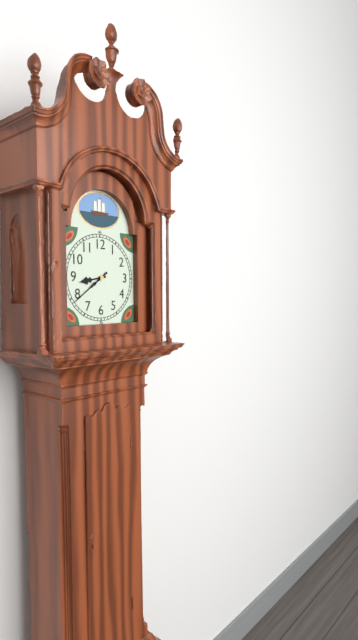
8:39
